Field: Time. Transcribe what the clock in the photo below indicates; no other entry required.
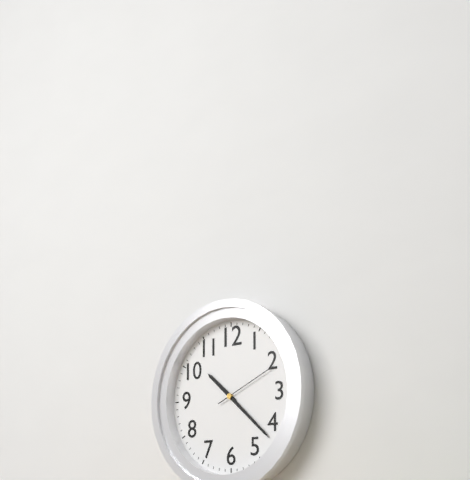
10:22:11
